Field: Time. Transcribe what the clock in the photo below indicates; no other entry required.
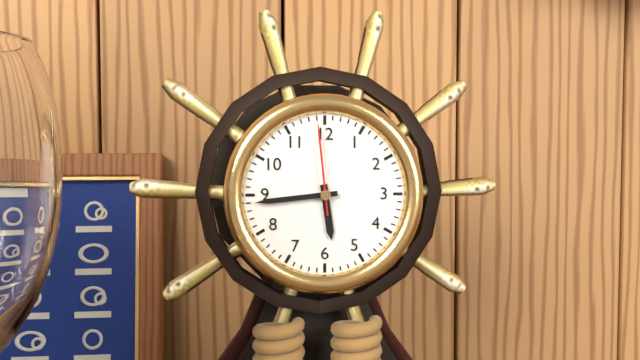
5:44:59
